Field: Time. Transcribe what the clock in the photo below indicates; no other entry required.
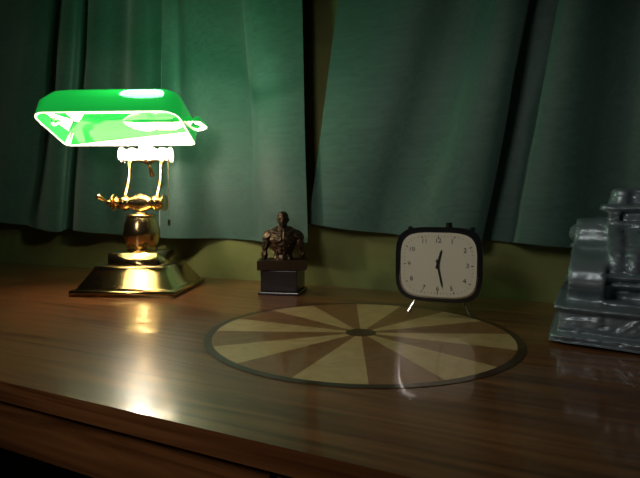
12:28
